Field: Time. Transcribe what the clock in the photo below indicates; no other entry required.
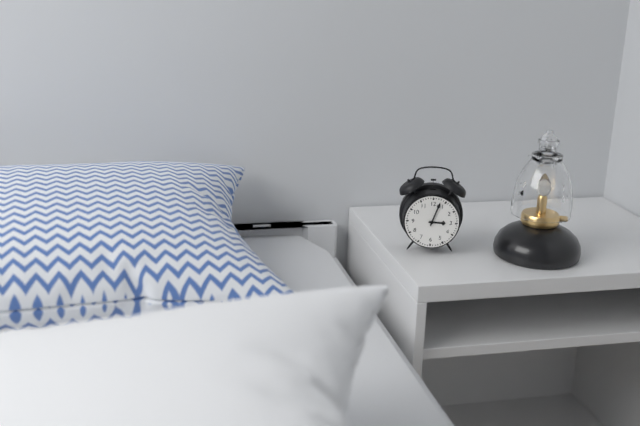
3:03
